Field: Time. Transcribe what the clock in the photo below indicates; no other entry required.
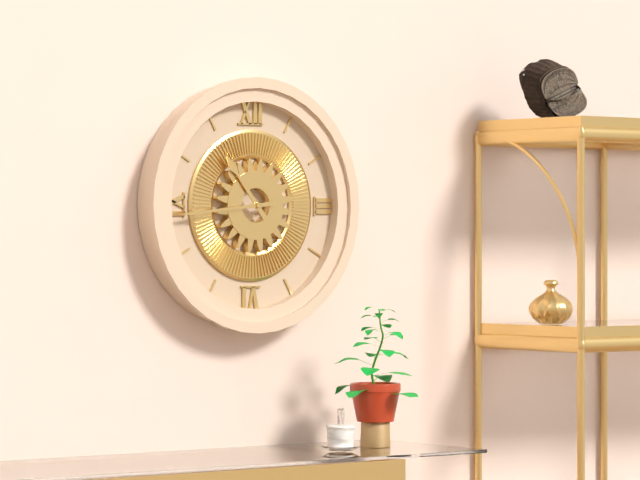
10:44
